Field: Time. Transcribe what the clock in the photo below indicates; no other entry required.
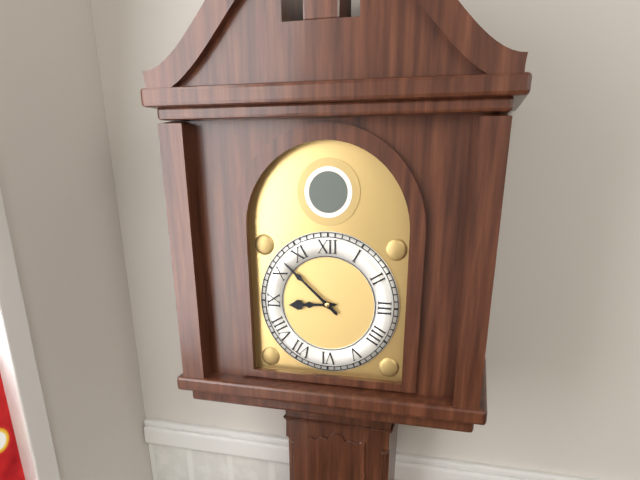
8:52
